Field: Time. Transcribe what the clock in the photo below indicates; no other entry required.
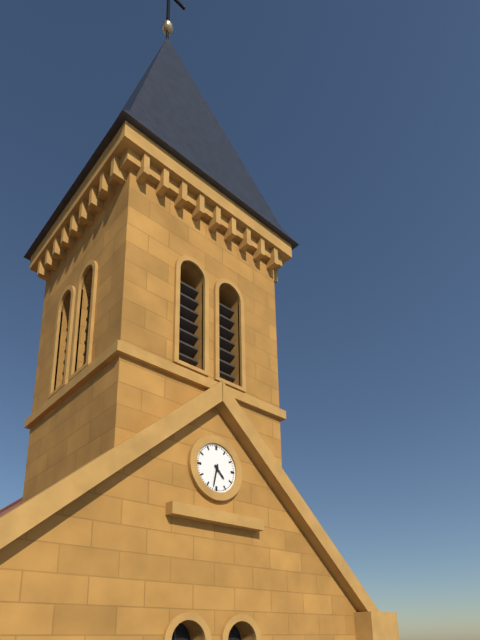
4:32
